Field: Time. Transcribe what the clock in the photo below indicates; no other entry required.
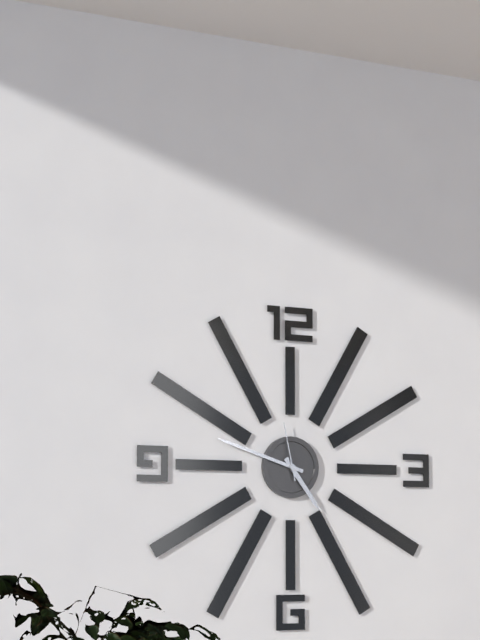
4:48:58
